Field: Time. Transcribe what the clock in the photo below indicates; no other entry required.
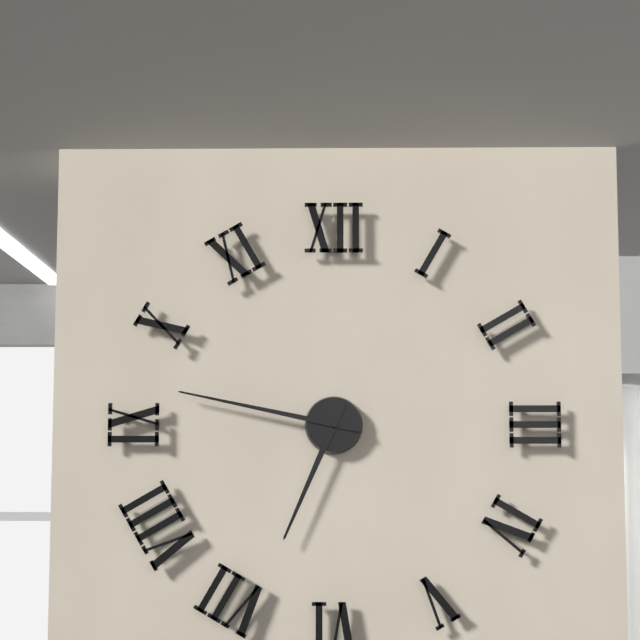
6:47
